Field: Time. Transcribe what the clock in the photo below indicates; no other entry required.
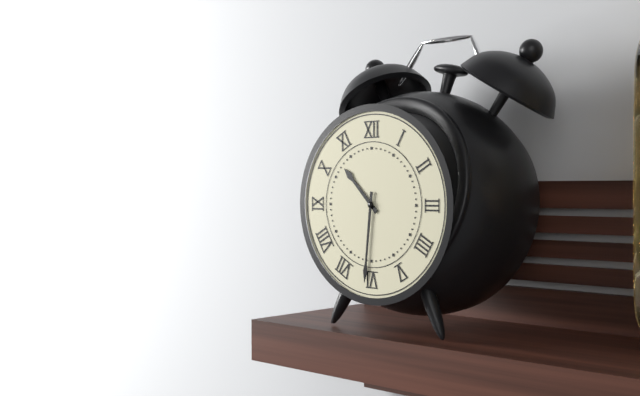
10:31
